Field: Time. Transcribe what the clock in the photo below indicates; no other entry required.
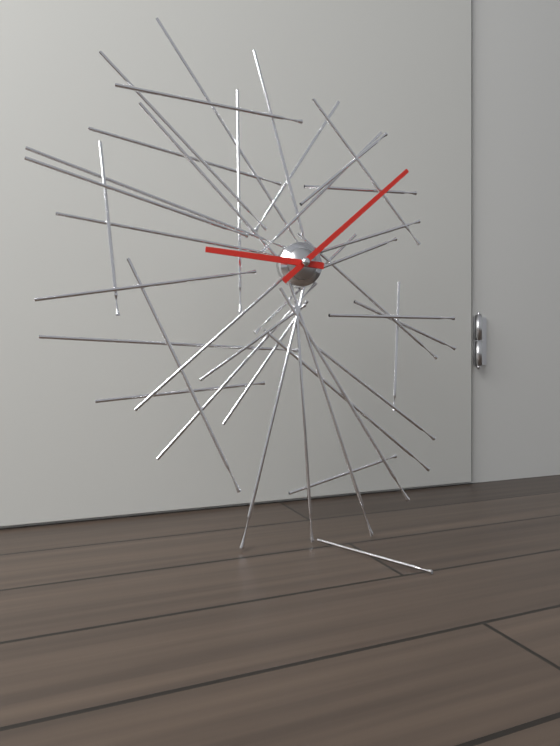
9:08
